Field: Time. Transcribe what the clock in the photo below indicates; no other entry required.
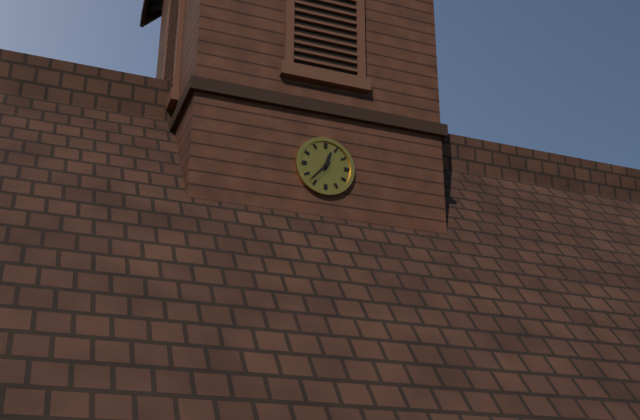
12:37
